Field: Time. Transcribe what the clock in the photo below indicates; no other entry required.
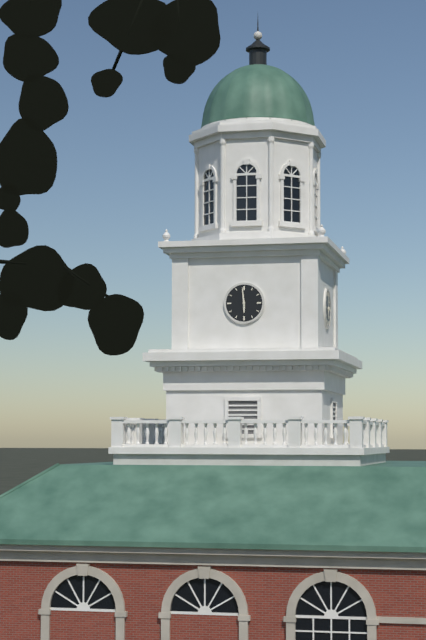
5:59
